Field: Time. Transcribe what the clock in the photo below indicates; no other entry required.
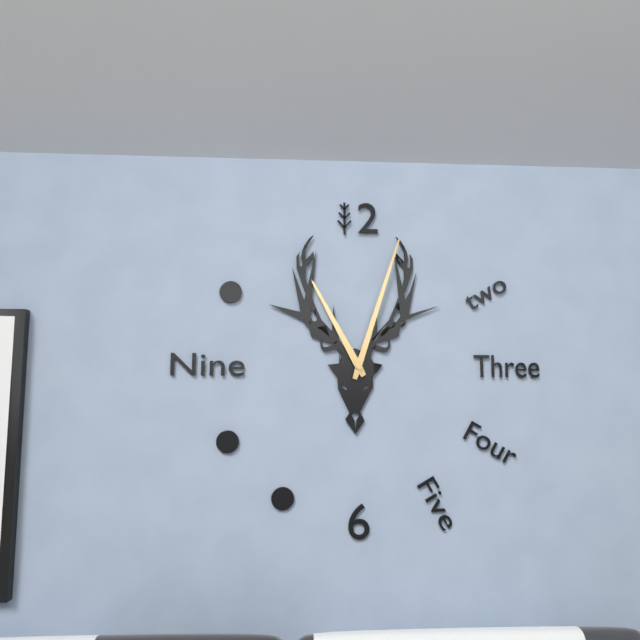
11:03
